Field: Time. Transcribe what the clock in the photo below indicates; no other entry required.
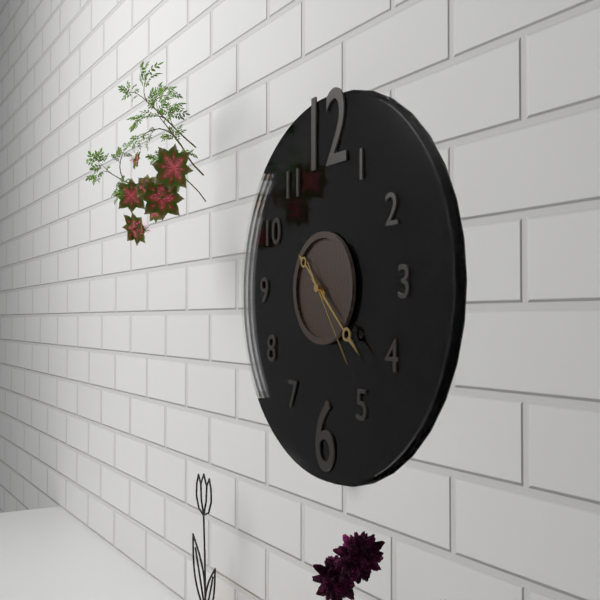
10:22:24
